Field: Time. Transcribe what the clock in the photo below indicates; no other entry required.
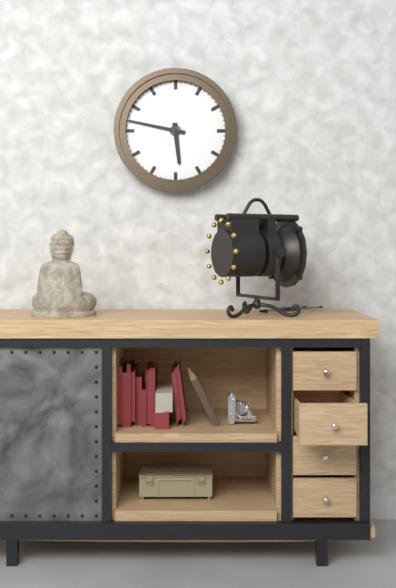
5:47
